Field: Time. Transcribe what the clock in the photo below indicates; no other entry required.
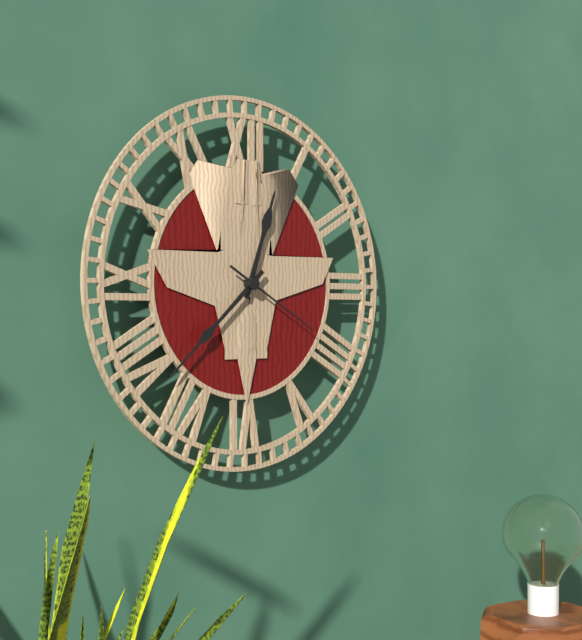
12:38:20
